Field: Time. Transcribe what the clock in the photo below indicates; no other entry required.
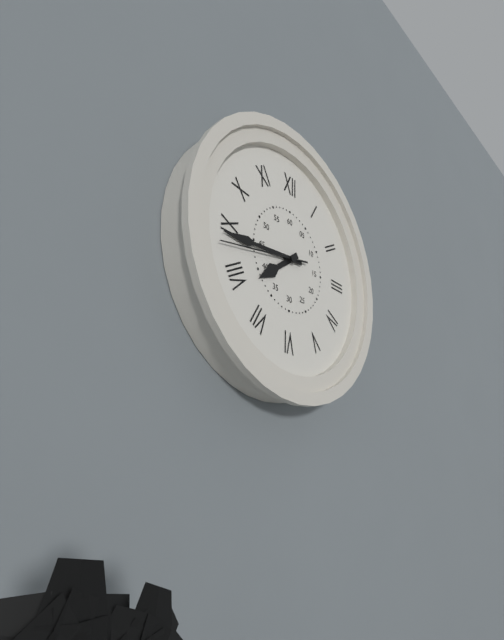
7:44:43
